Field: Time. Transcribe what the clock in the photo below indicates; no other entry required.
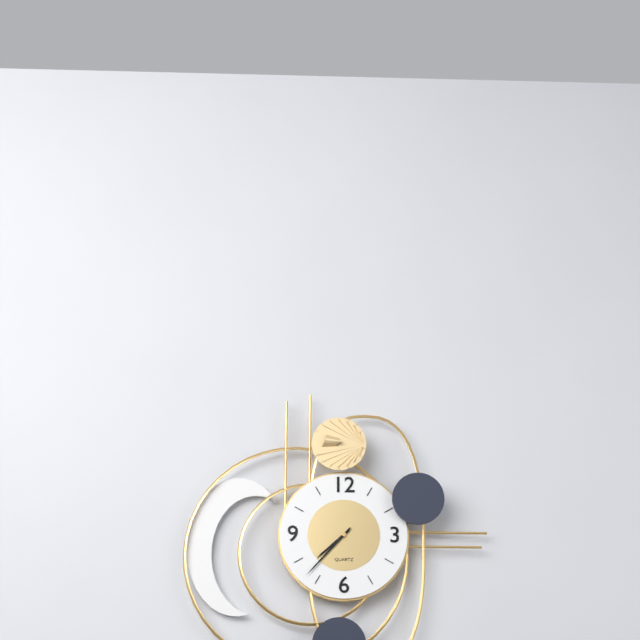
7:37
